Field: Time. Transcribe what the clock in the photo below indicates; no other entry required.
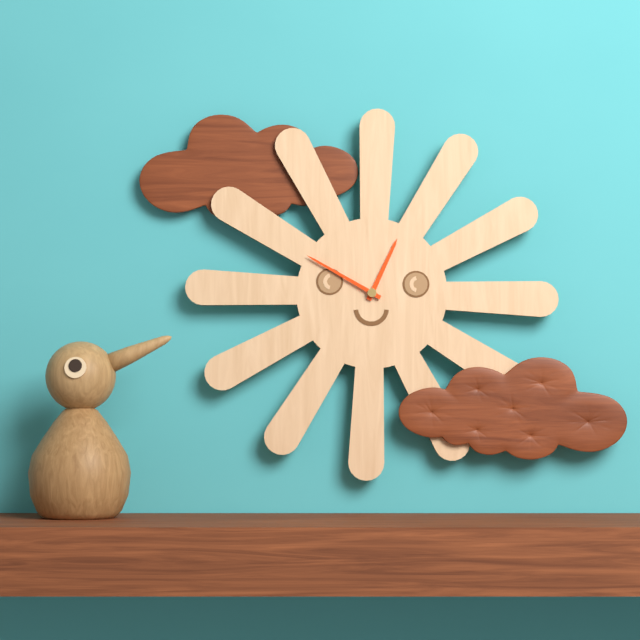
12:50
